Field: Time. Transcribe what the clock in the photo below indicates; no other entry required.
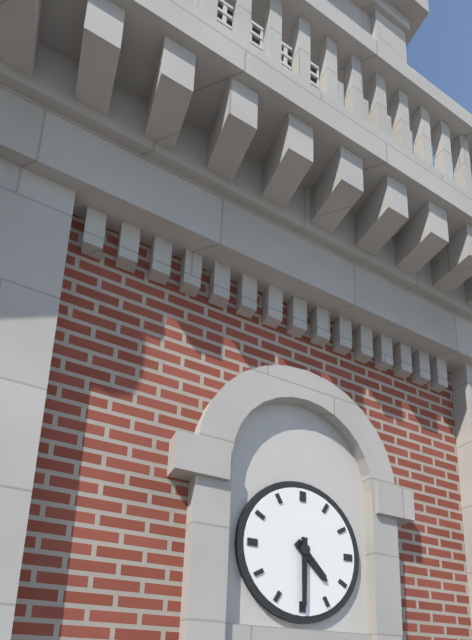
4:30
